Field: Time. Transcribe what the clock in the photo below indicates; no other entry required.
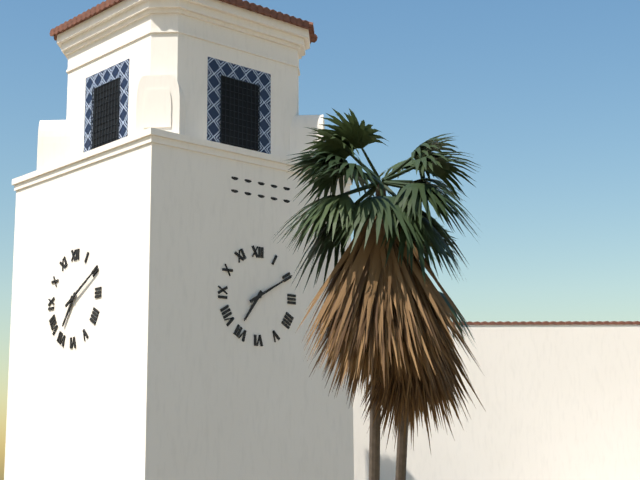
7:10
